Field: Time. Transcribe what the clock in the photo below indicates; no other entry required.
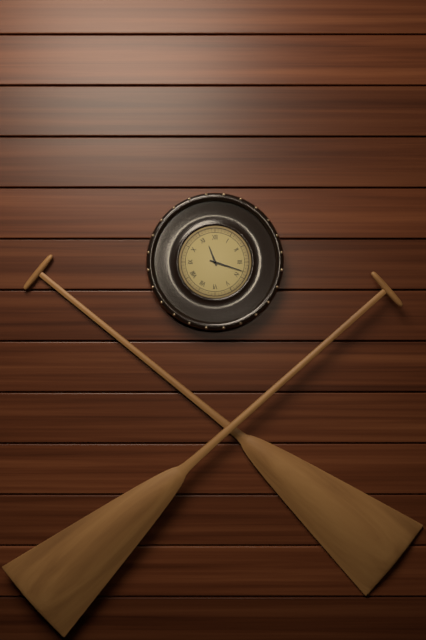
11:18
